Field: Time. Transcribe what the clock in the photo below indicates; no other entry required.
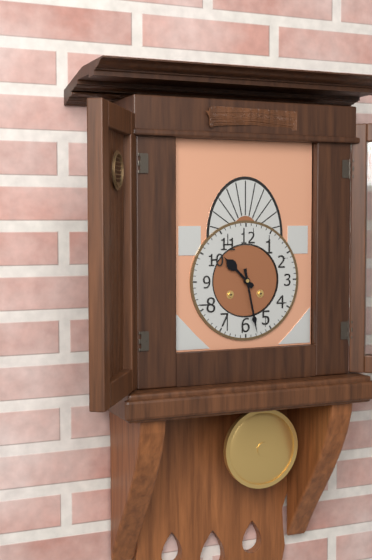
10:28
